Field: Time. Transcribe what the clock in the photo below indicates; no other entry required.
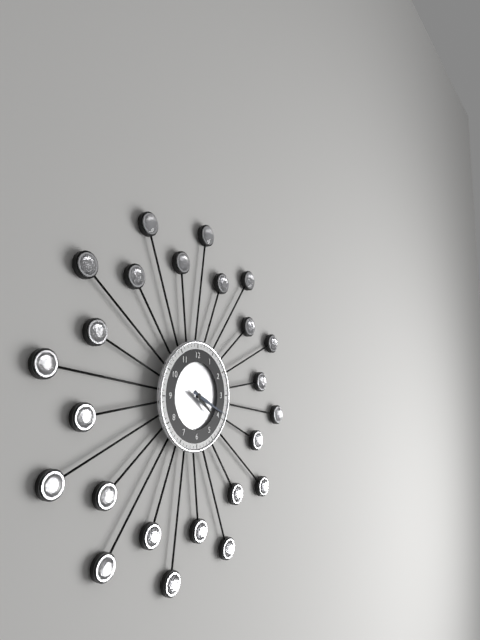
4:19
